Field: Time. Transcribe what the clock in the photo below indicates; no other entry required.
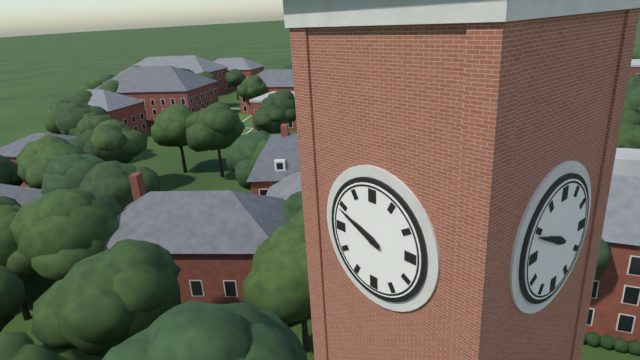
9:49
